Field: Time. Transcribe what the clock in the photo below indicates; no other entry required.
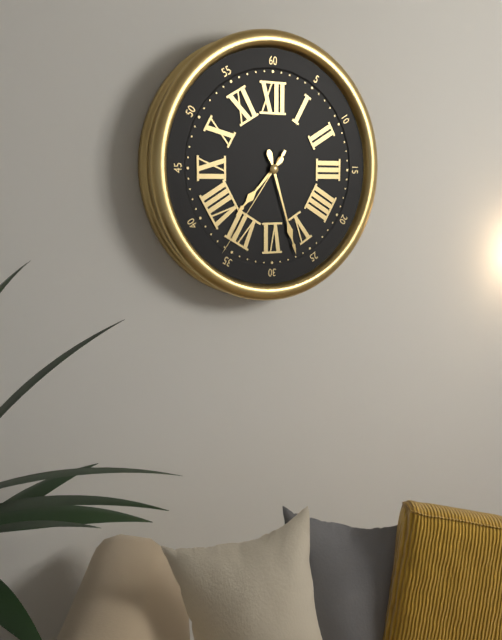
7:27:36
